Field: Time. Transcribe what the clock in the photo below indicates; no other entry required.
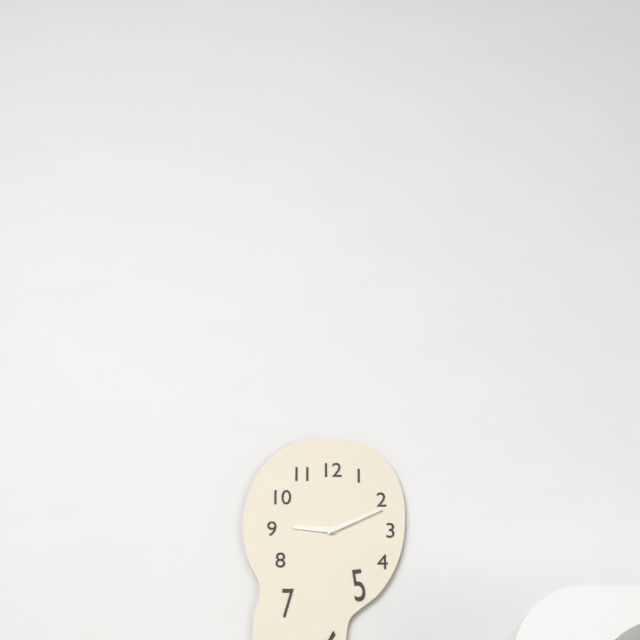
9:11
